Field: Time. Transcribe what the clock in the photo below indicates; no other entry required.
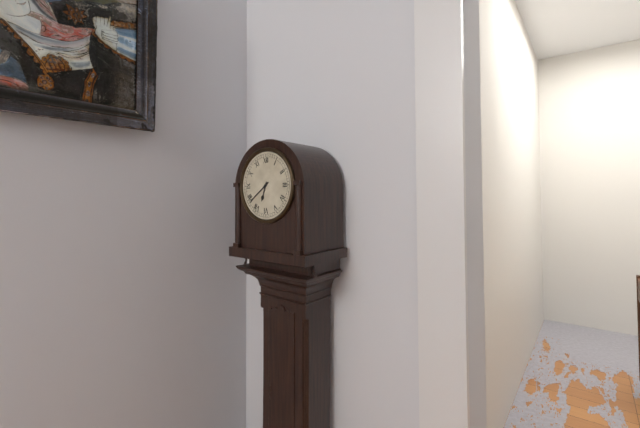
6:39
